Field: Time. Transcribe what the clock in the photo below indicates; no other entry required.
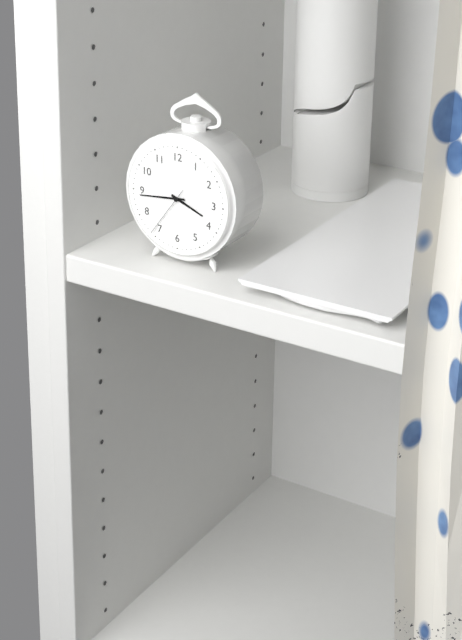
3:44:36
